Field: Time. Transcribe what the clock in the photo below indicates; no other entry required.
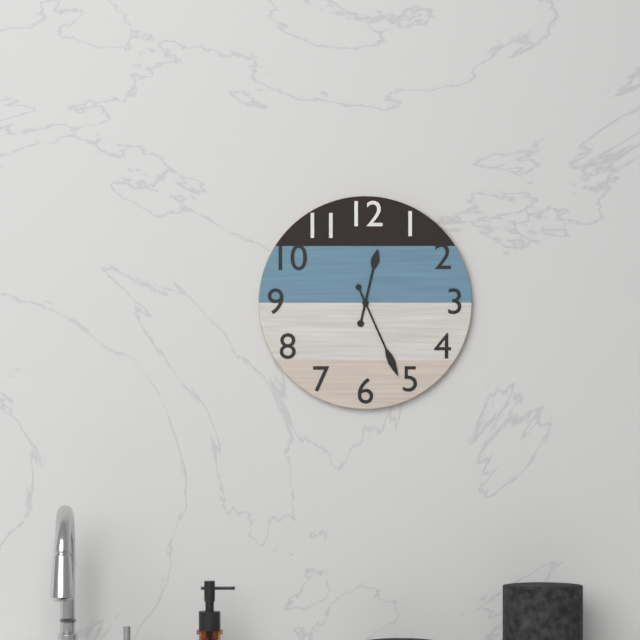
12:26
